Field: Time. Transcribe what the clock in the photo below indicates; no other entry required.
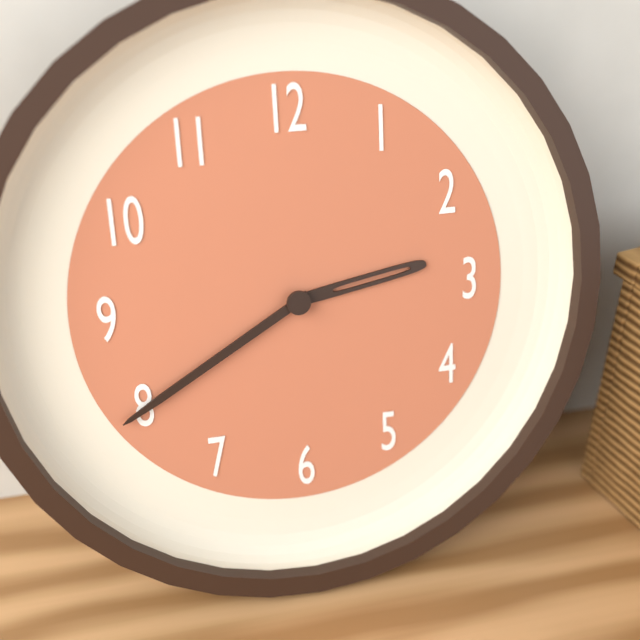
2:40
